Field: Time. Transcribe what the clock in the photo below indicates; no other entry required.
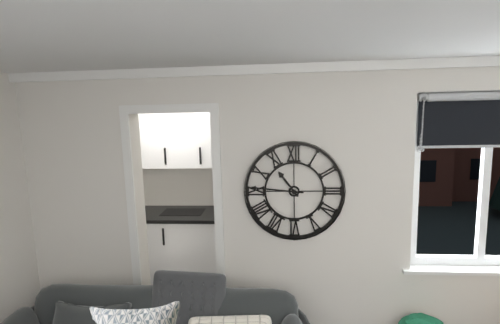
10:46
